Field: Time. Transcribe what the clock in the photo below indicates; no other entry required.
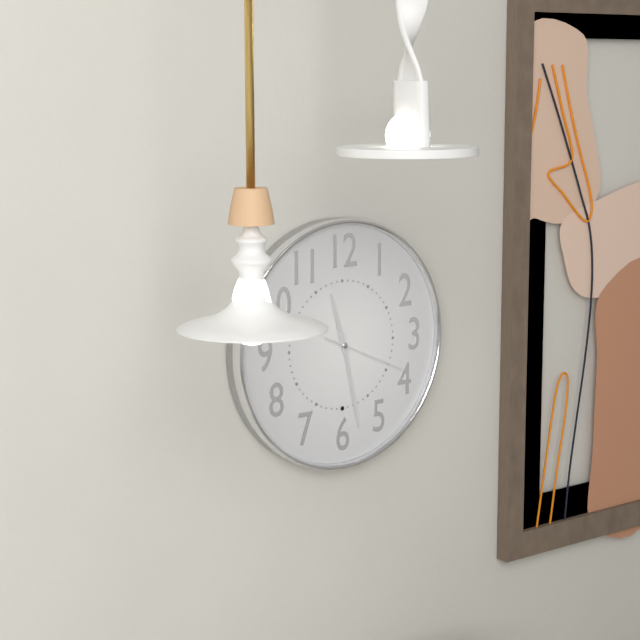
11:28:19
